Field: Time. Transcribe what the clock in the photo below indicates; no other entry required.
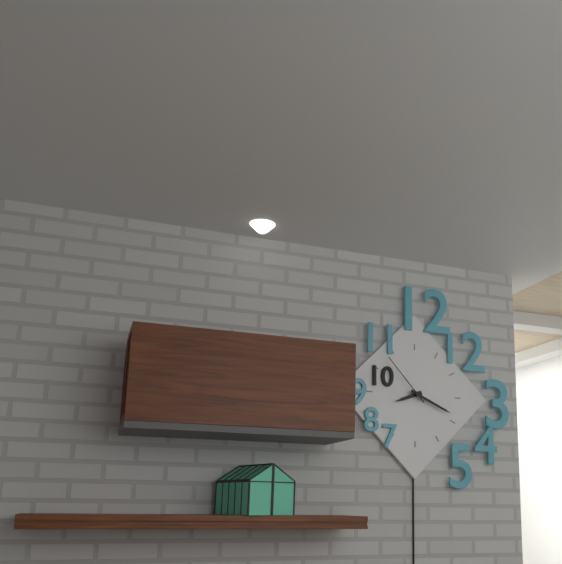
8:19:53
